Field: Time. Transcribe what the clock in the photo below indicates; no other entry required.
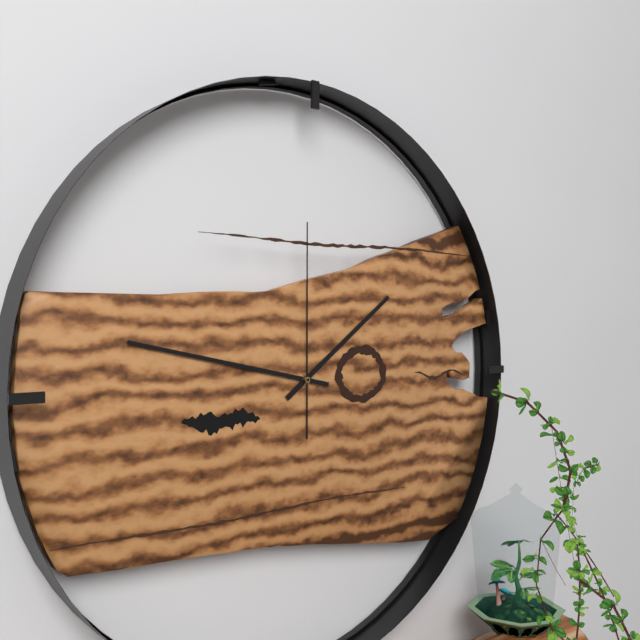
1:47:00
